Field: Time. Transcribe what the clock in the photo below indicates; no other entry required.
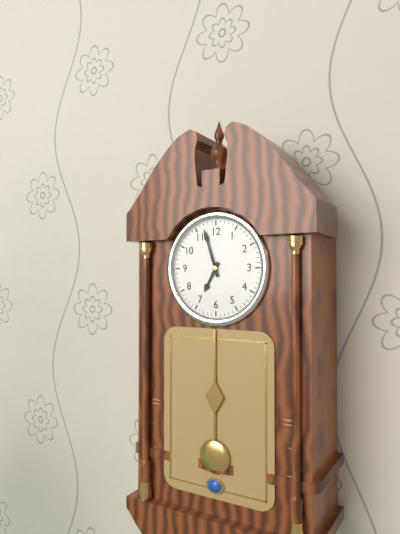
6:57
